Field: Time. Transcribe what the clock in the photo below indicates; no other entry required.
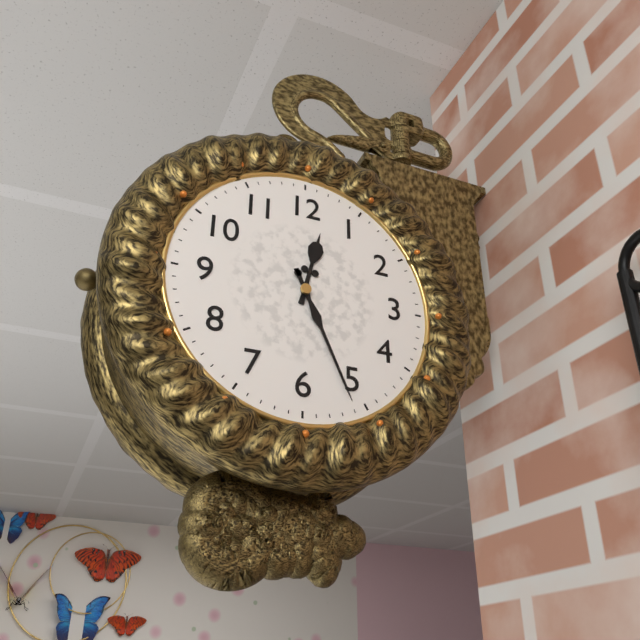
12:26
